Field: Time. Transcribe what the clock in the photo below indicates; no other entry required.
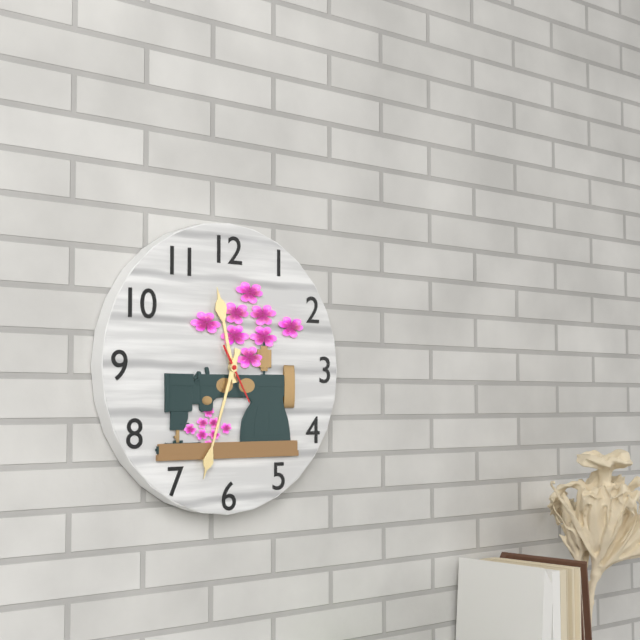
11:33
